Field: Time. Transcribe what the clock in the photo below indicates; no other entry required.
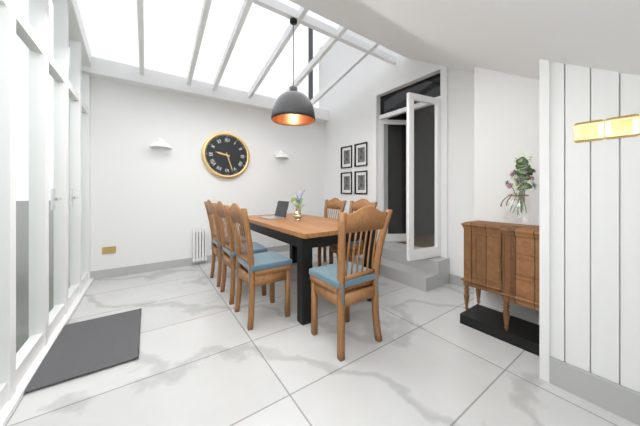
9:27
